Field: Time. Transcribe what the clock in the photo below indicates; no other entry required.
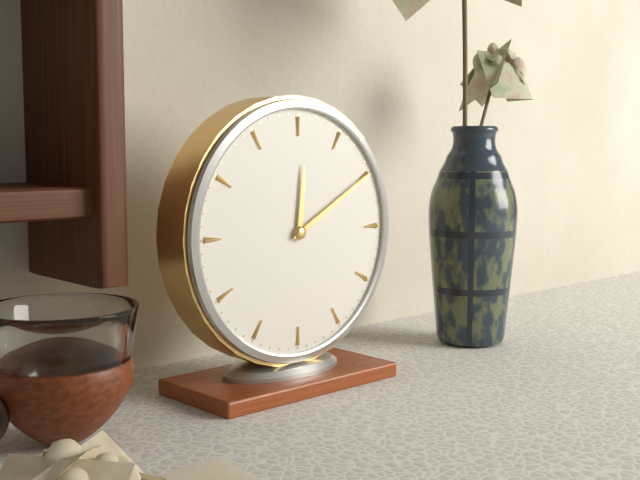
12:10
